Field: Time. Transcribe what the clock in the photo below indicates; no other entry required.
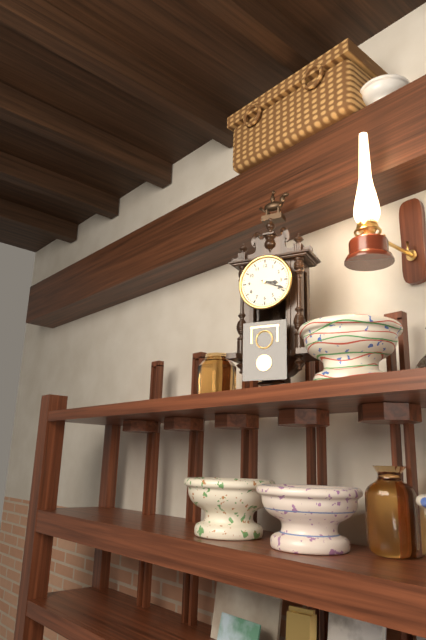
3:19
